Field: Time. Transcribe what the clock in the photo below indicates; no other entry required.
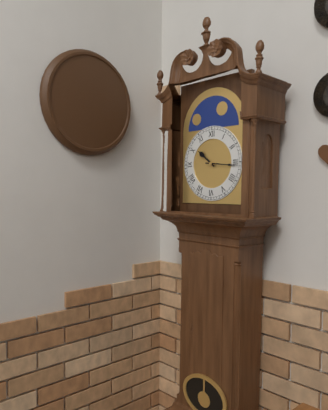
10:16
